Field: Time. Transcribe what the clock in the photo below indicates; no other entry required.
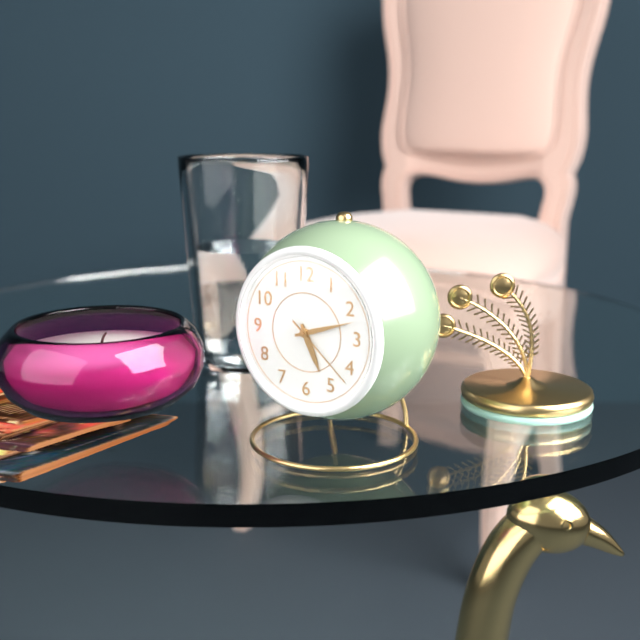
5:12:22
